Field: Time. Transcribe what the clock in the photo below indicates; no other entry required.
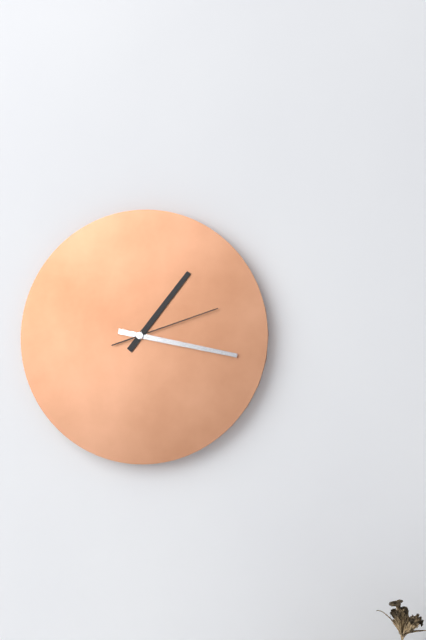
1:17:12
